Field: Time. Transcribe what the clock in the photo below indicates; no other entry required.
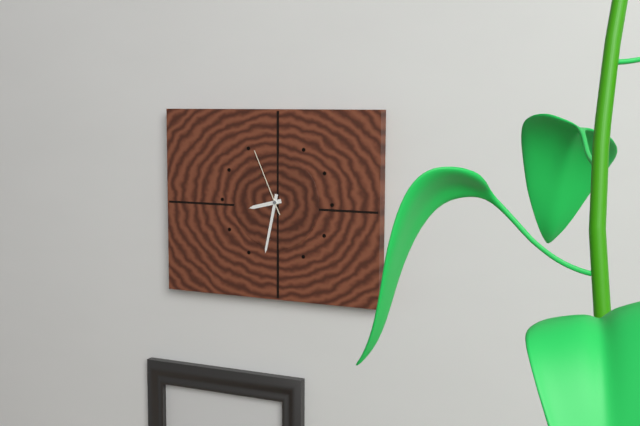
8:32:56
